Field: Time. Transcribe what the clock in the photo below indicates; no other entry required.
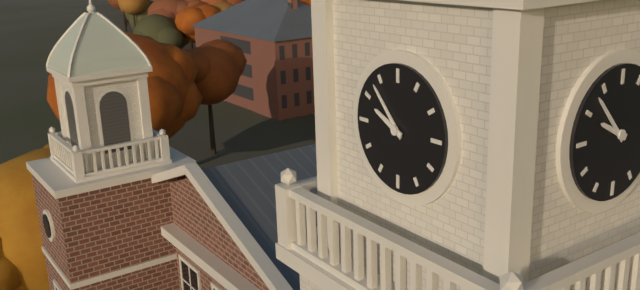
9:53
